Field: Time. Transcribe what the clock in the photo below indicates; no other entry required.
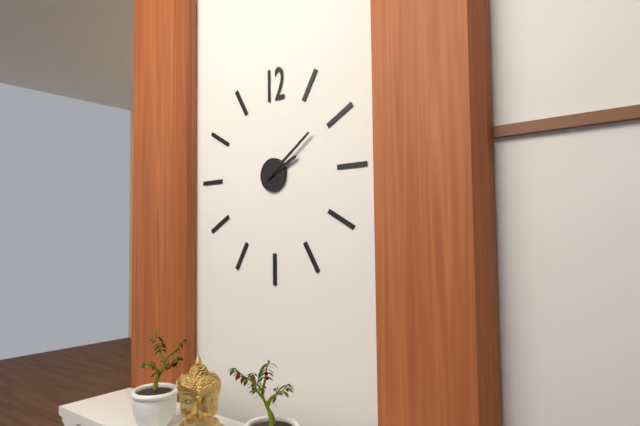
2:09
